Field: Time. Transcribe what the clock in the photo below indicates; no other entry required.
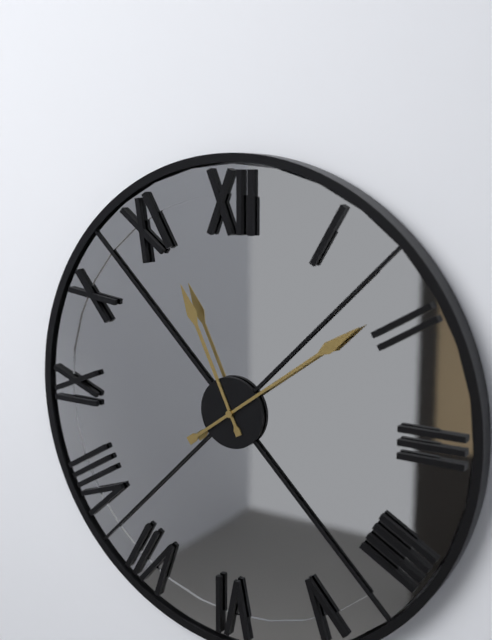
11:09
